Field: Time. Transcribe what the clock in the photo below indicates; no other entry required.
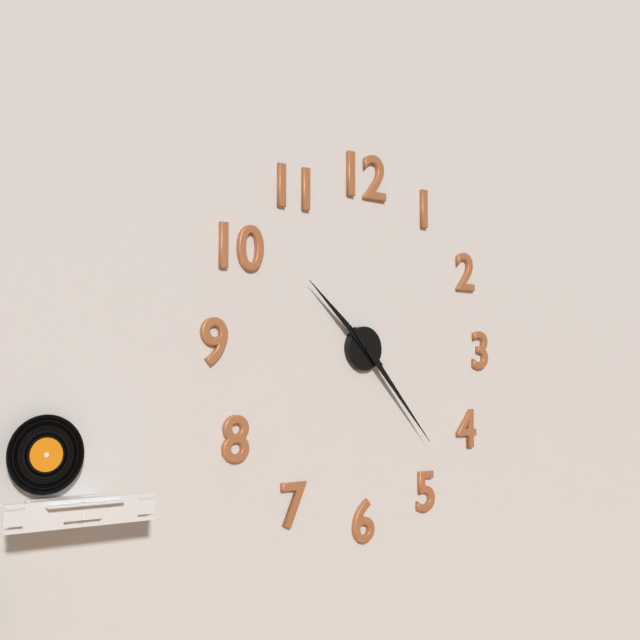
10:23
